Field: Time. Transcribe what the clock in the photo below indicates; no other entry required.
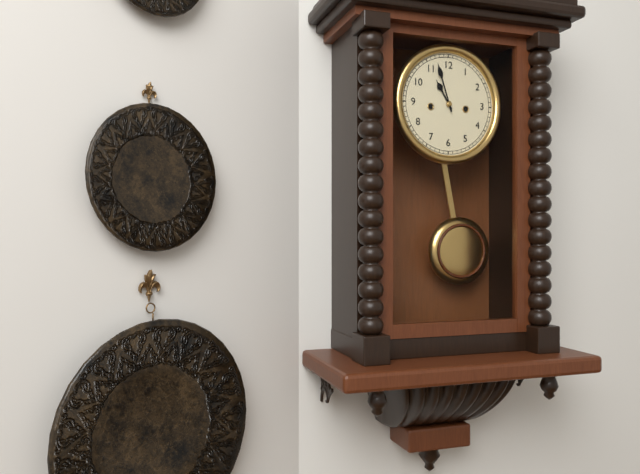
10:57
